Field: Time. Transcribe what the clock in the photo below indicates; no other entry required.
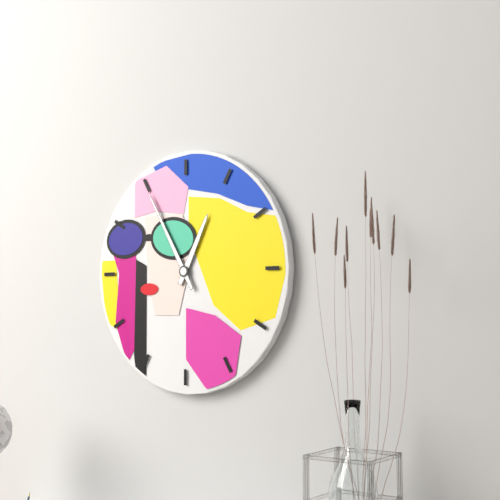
12:55
